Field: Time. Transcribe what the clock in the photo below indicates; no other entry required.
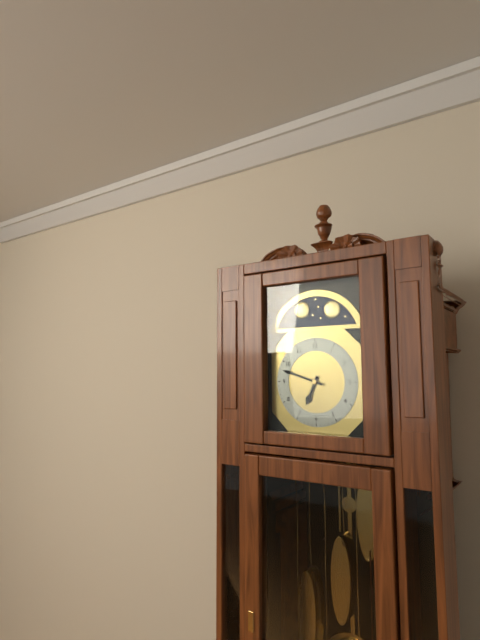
6:48
